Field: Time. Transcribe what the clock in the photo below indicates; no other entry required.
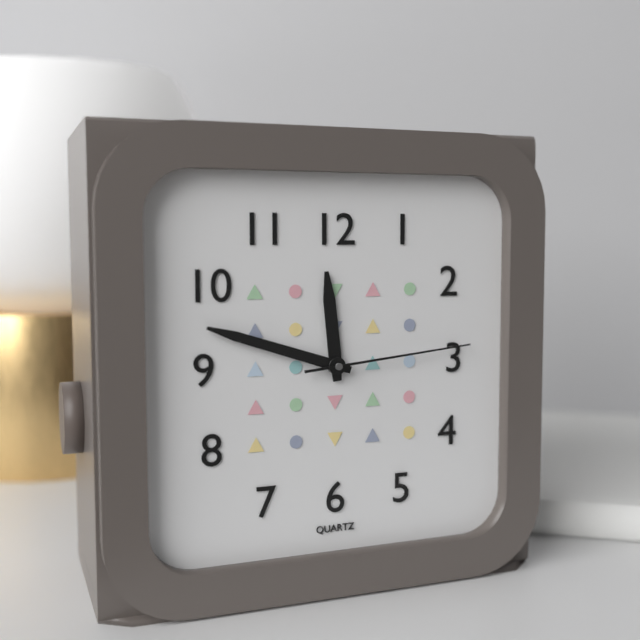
11:48:14
